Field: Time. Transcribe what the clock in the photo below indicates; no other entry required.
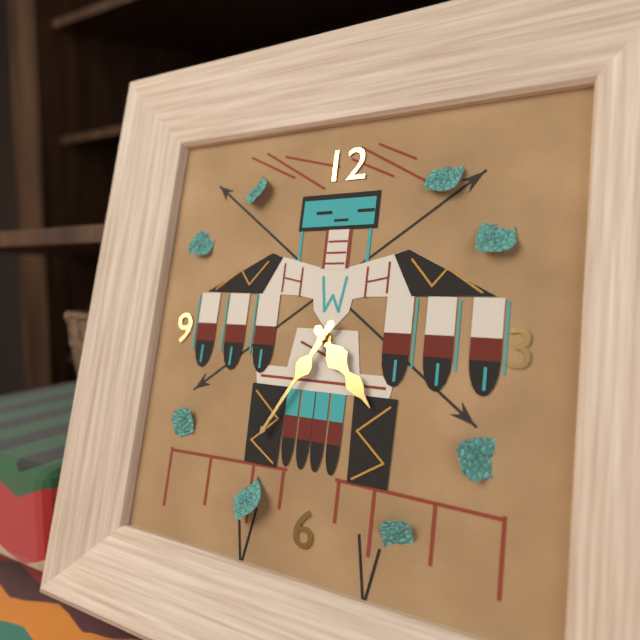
4:35
